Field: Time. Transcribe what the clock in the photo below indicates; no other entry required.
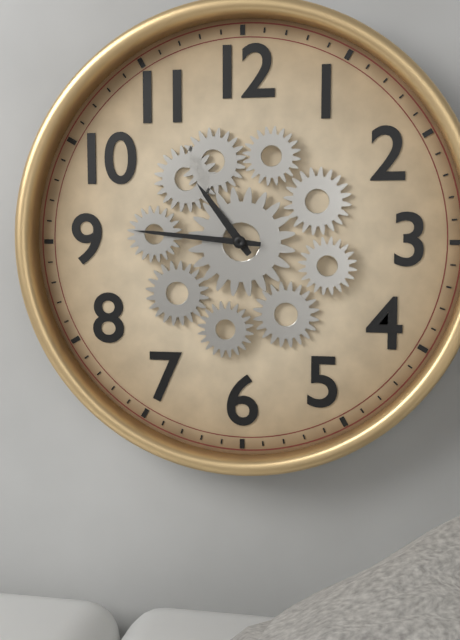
10:46
